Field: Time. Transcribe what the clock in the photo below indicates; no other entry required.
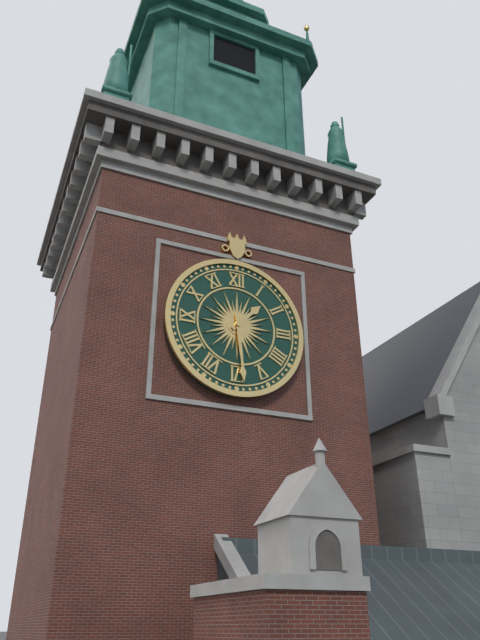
1:29
